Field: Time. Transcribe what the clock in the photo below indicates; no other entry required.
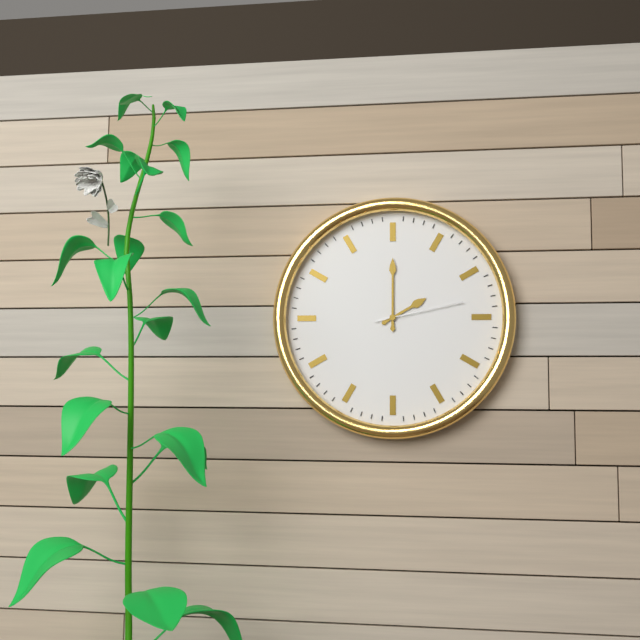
2:00:13
